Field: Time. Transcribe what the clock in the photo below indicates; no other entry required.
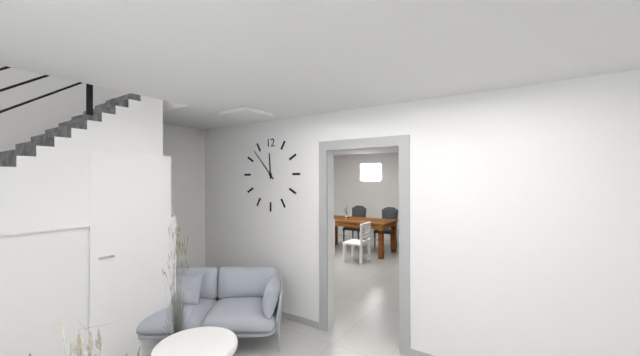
11:53
